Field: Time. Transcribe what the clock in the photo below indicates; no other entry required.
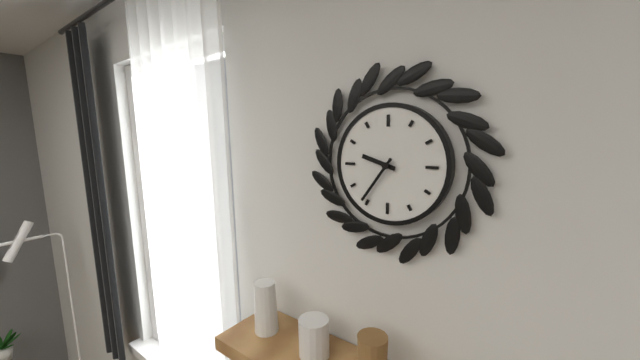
9:36
